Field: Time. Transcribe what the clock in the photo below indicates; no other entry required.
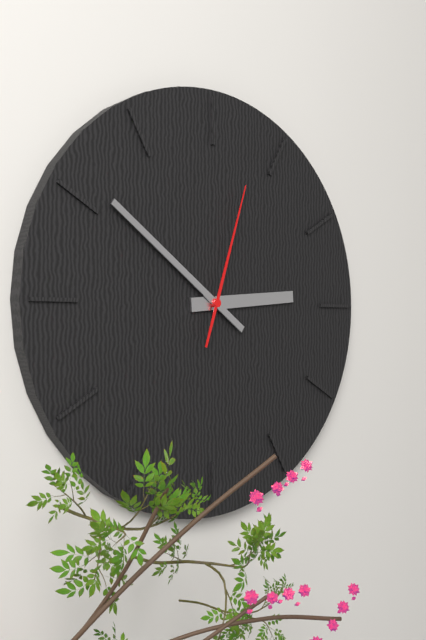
2:51:03
